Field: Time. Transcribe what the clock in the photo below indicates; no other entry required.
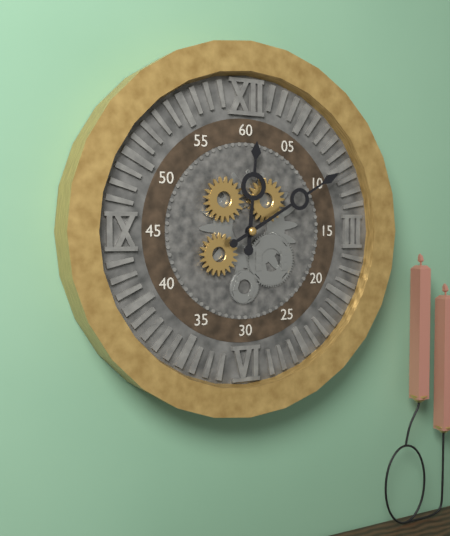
12:10
